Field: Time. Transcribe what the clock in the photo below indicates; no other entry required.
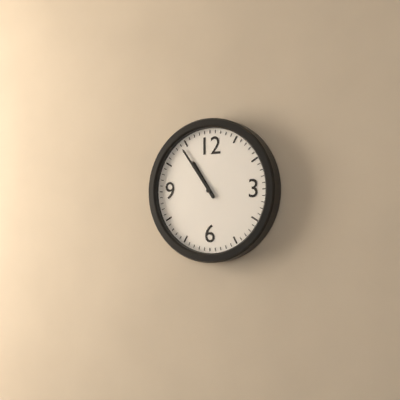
10:54
